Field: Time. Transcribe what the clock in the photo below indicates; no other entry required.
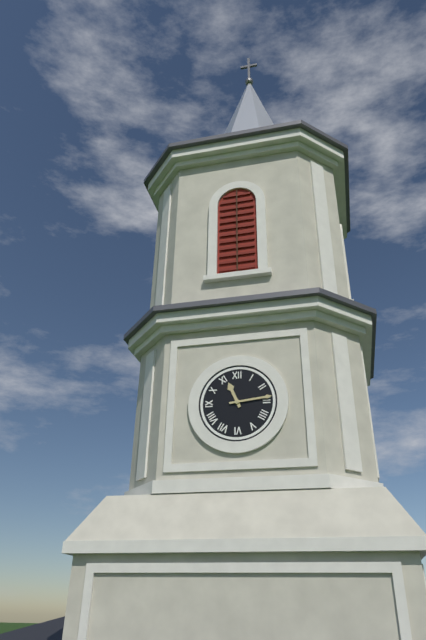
11:14
